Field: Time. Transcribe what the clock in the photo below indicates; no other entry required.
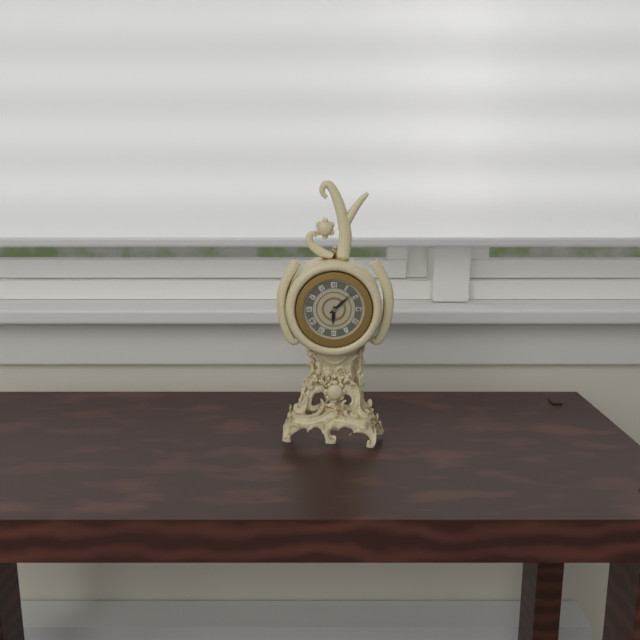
6:08
